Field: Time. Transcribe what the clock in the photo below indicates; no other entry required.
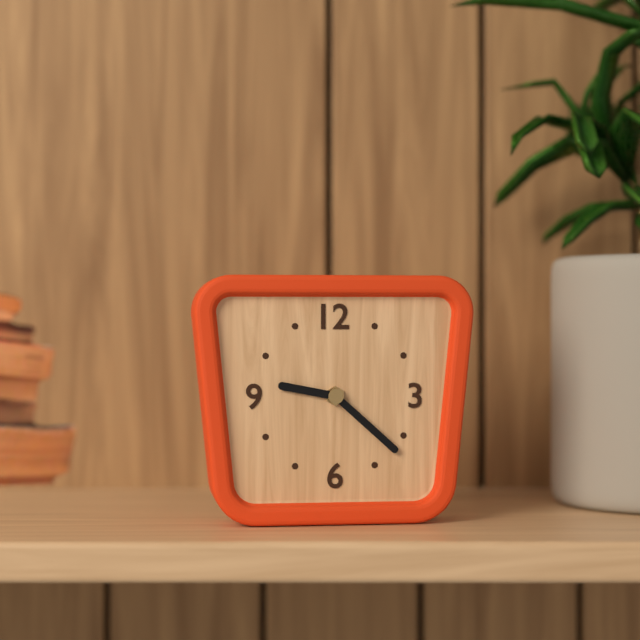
9:22
